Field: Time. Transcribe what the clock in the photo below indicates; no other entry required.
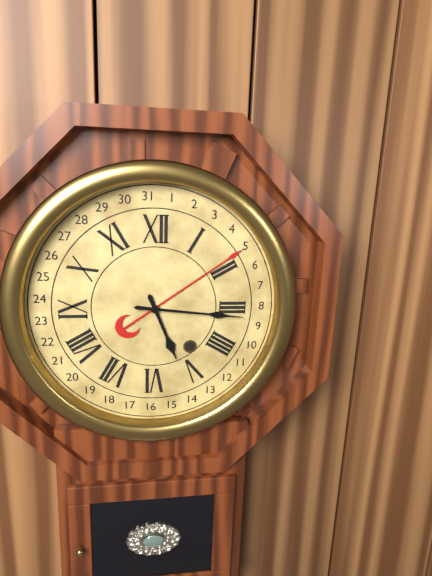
5:16
